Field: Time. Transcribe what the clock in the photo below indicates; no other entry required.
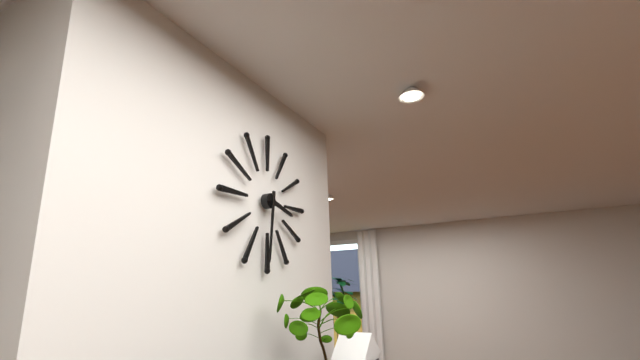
3:31
